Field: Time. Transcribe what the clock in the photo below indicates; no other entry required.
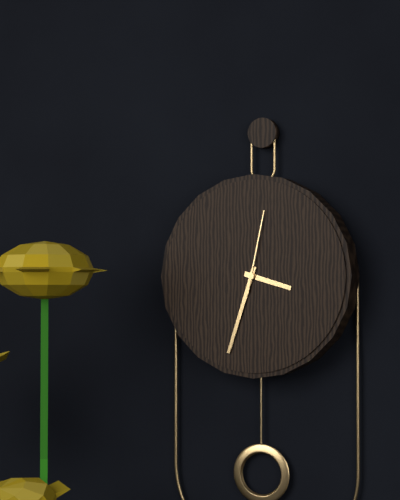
3:33:02
